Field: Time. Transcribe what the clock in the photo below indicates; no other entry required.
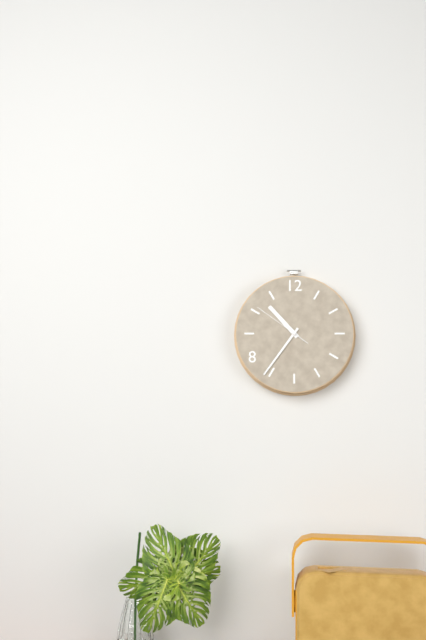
10:36:51
